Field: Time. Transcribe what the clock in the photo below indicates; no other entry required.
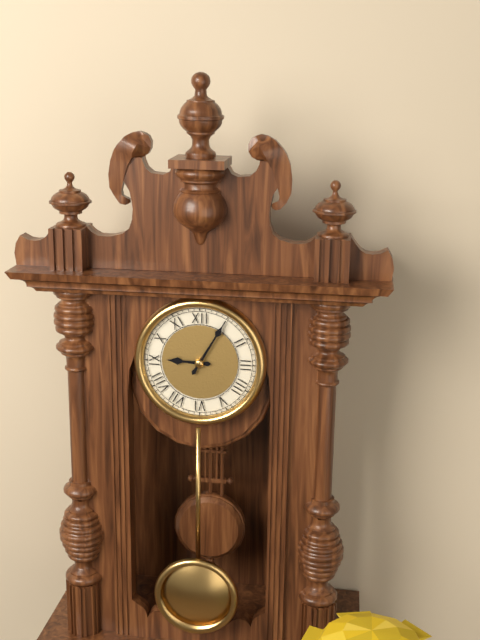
9:05
